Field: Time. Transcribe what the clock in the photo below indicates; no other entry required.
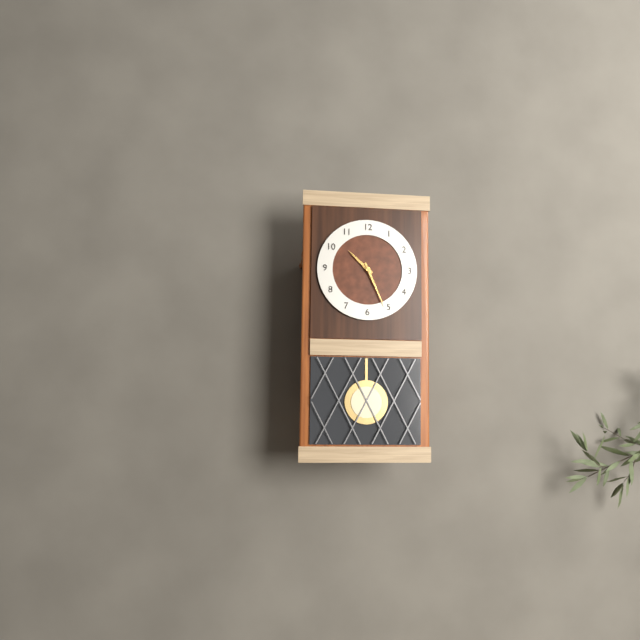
10:26
